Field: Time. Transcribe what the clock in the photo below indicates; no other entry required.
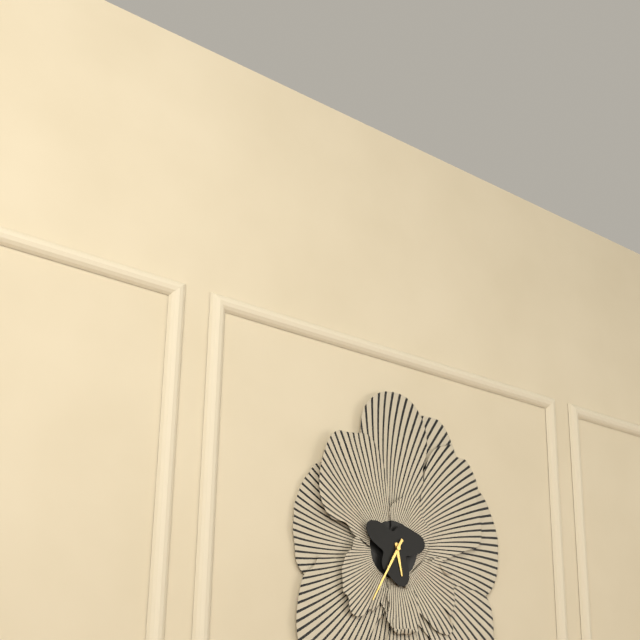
5:35
